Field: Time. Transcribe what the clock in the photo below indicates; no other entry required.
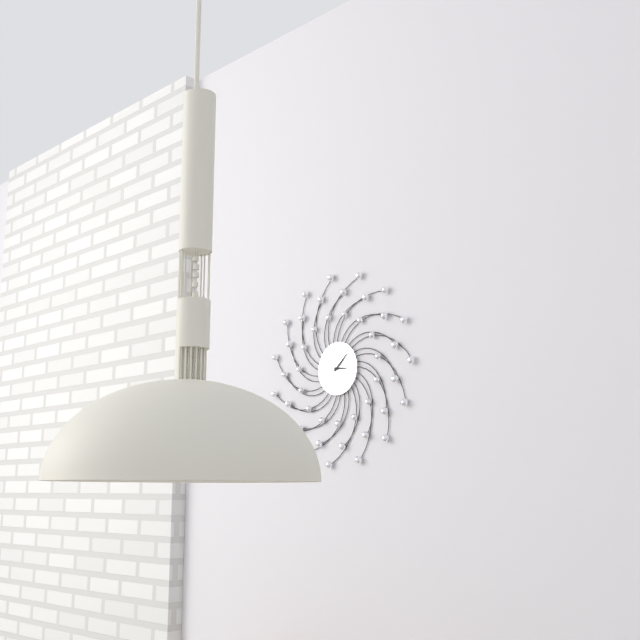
3:08
